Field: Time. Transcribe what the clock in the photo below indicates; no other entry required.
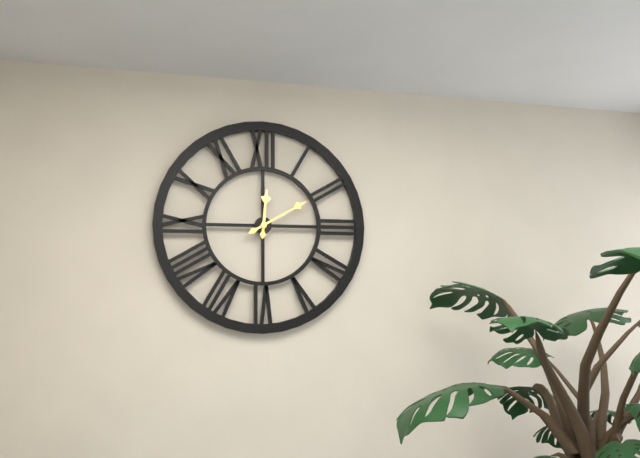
12:10
